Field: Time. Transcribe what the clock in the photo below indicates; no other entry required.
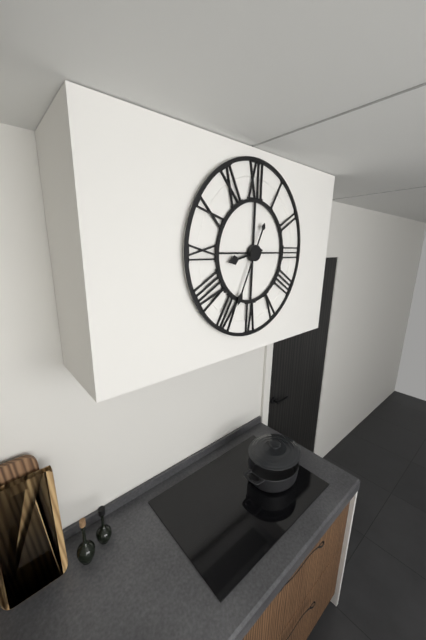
8:34
